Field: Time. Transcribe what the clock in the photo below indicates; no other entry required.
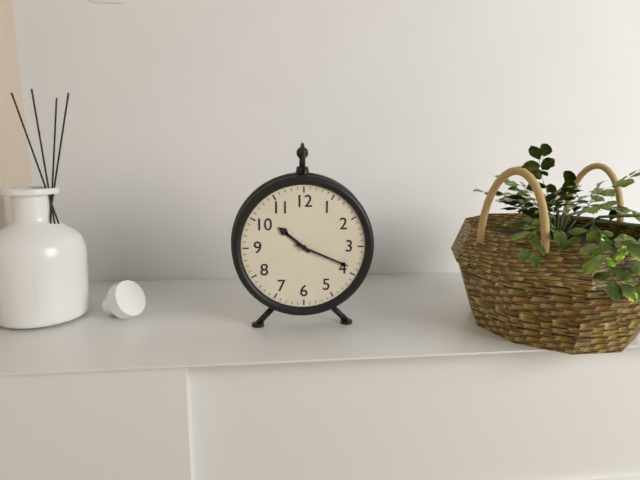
10:19
